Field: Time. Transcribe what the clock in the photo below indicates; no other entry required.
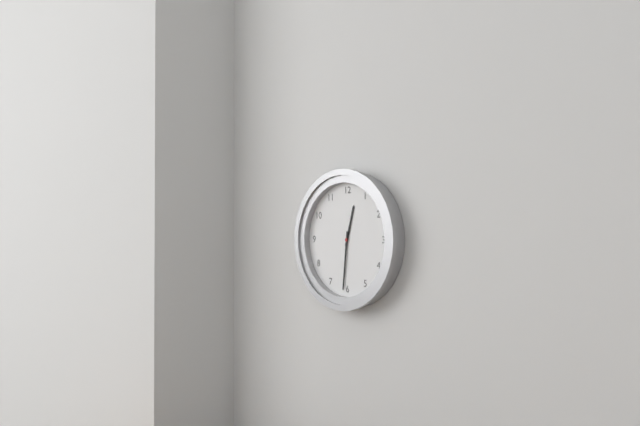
12:31
